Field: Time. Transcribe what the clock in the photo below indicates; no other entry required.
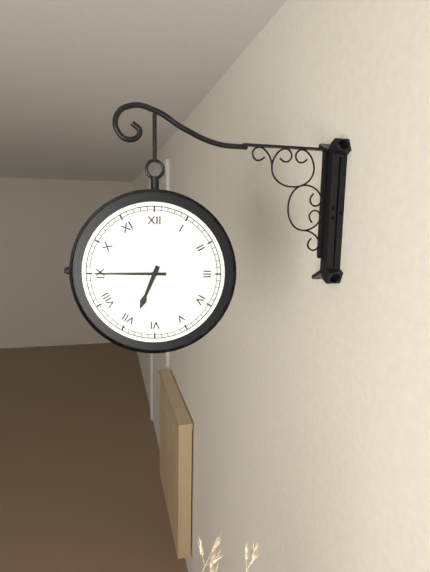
6:45
